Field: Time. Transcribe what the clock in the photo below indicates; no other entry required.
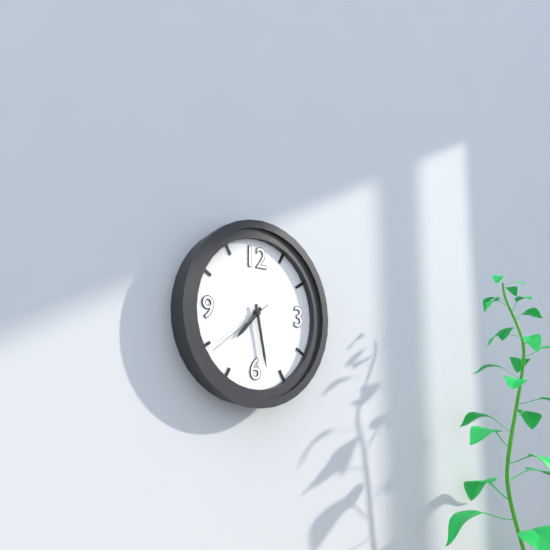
7:28:39
